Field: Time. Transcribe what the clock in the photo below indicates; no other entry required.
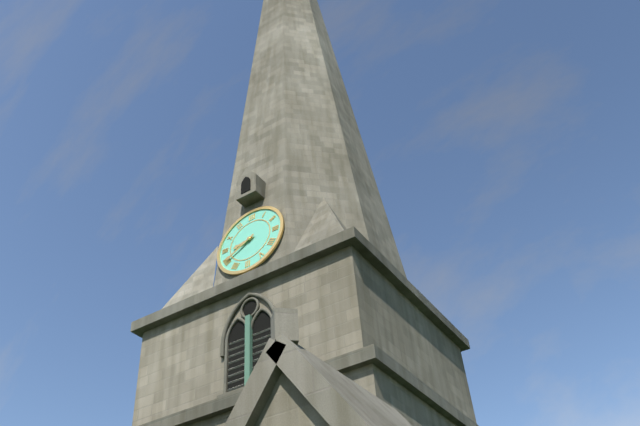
8:40
